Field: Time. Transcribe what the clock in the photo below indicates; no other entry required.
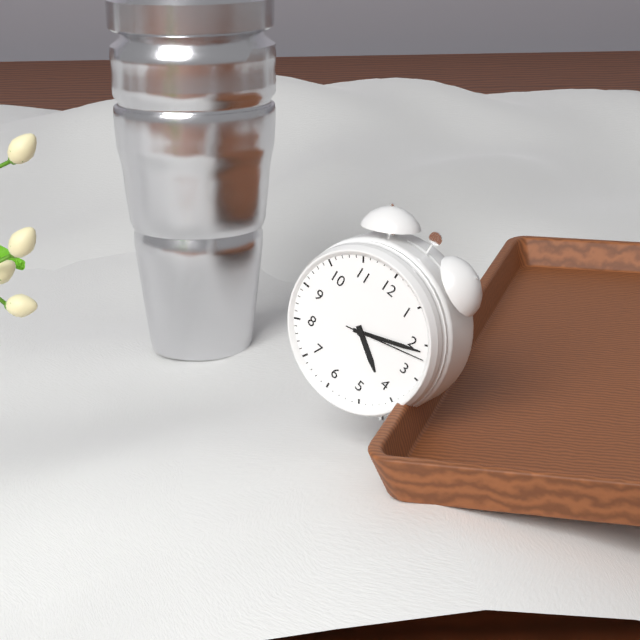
4:11:12
